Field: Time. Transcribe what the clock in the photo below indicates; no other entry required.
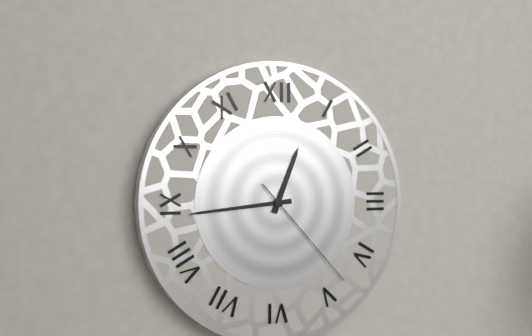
12:44:23
